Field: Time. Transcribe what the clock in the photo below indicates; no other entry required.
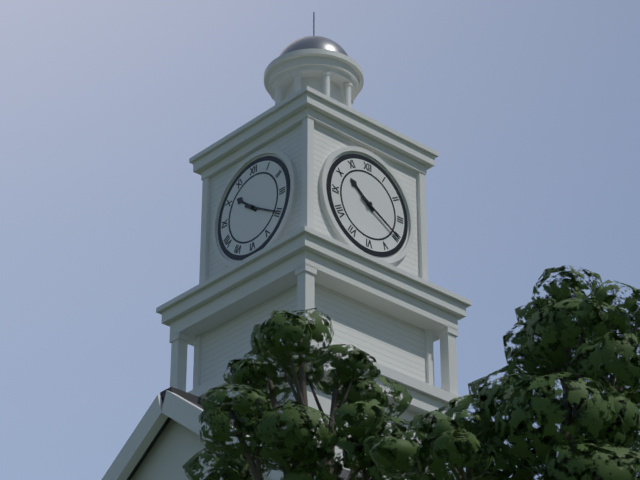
10:20
